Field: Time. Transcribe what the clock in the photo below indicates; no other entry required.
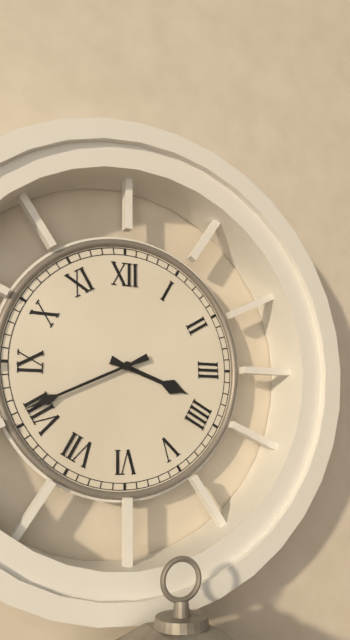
3:41
